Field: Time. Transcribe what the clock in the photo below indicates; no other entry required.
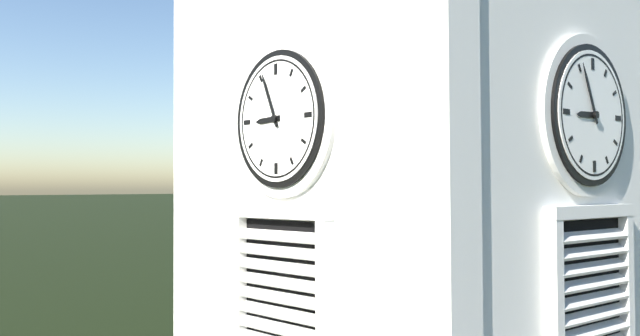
8:56
